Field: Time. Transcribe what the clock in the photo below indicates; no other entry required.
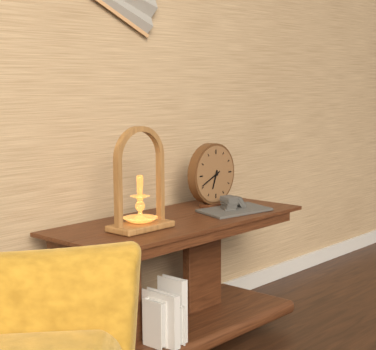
6:41
